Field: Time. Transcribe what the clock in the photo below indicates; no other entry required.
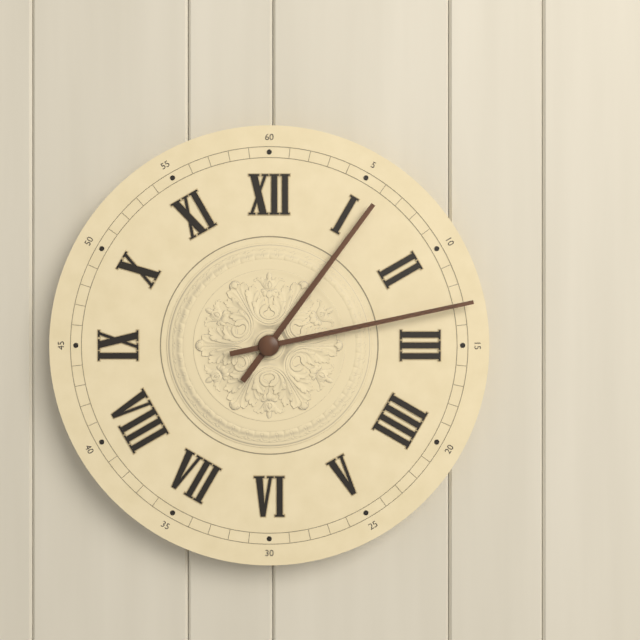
1:13
